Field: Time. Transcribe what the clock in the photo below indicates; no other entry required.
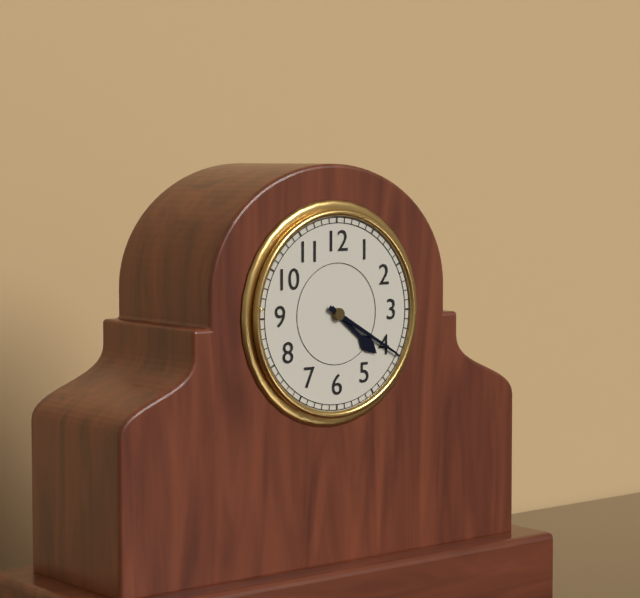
4:20
